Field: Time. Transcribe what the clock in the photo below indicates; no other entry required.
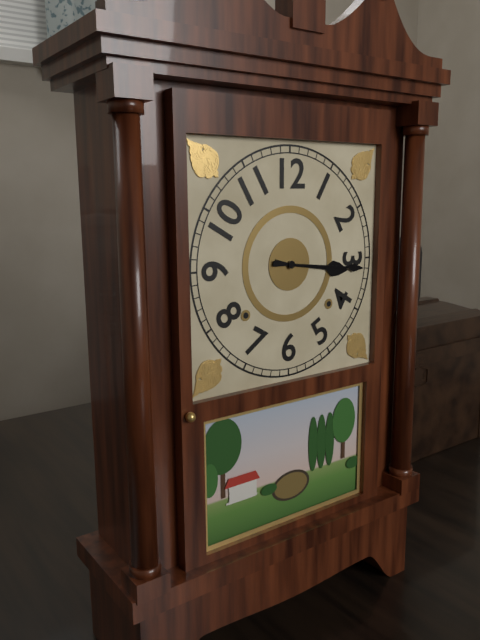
3:16
